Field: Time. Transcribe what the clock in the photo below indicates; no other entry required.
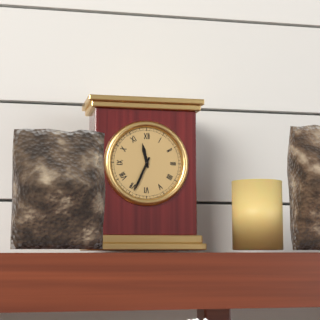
11:34
